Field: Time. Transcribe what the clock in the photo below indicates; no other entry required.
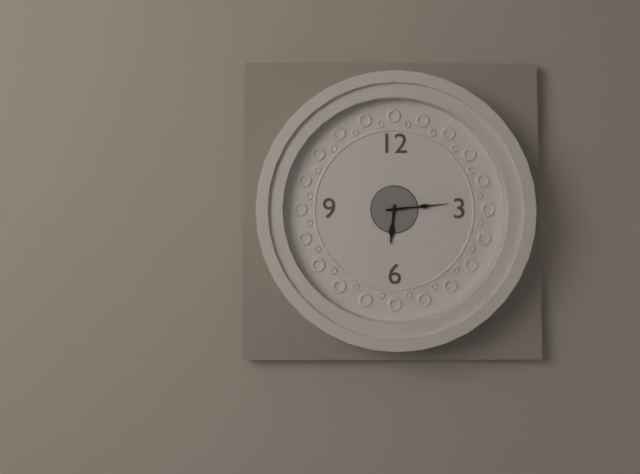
6:14
